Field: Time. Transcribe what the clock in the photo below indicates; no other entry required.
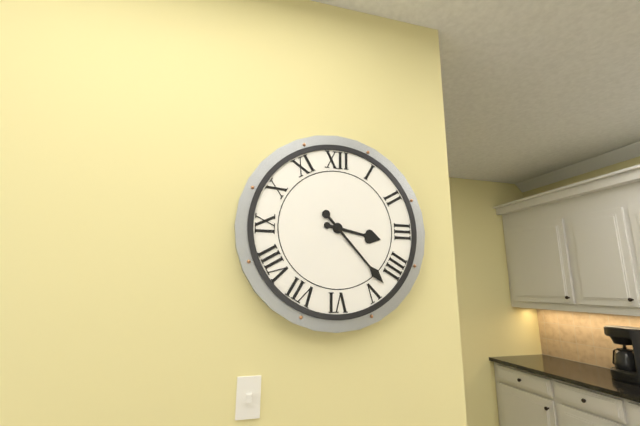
3:23
